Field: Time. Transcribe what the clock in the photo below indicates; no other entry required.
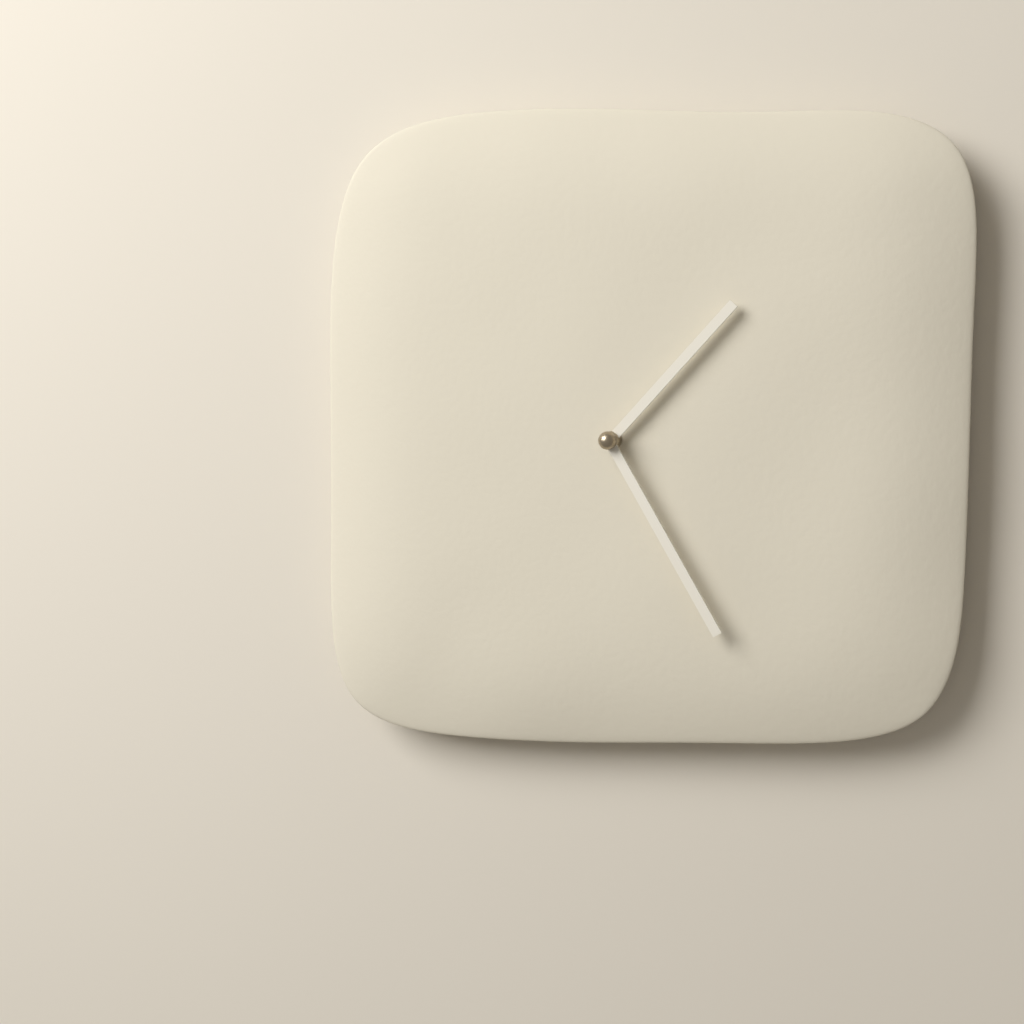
1:25
